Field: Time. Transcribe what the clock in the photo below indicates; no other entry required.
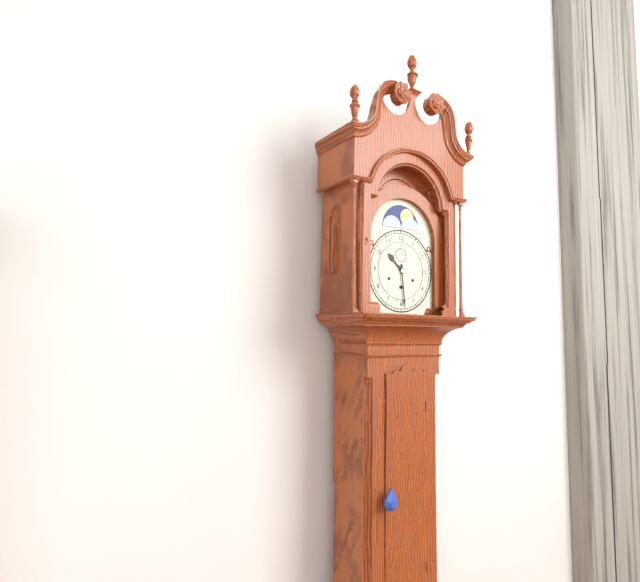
10:29
